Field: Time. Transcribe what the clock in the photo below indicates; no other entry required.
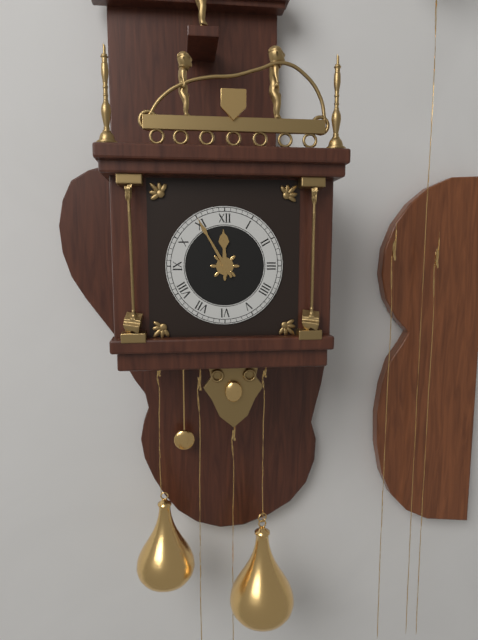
11:55
